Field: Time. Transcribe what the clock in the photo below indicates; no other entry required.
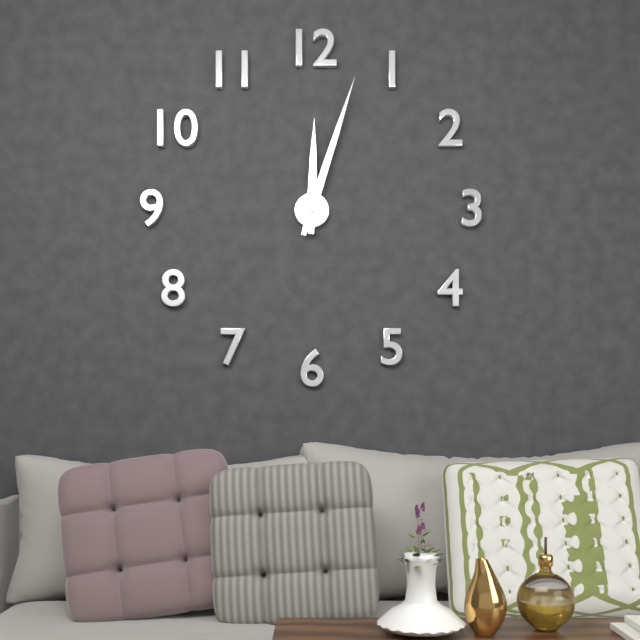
12:03
